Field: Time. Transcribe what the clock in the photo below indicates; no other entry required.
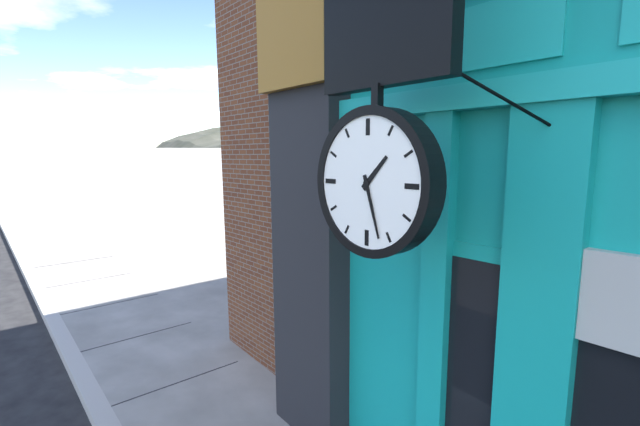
1:27
